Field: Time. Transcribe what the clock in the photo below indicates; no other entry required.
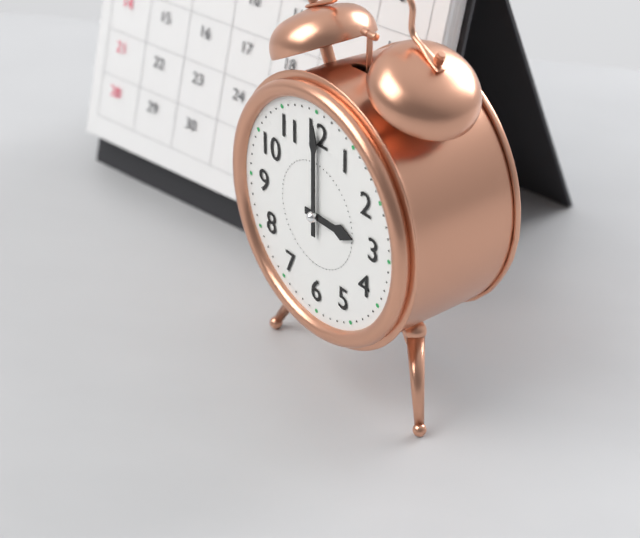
3:00
